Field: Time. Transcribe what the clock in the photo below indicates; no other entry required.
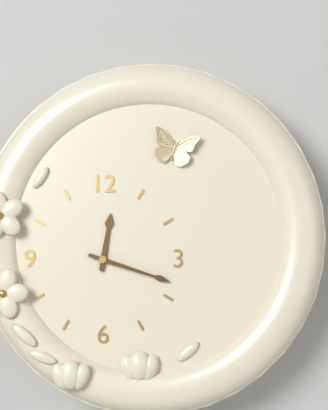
12:18
